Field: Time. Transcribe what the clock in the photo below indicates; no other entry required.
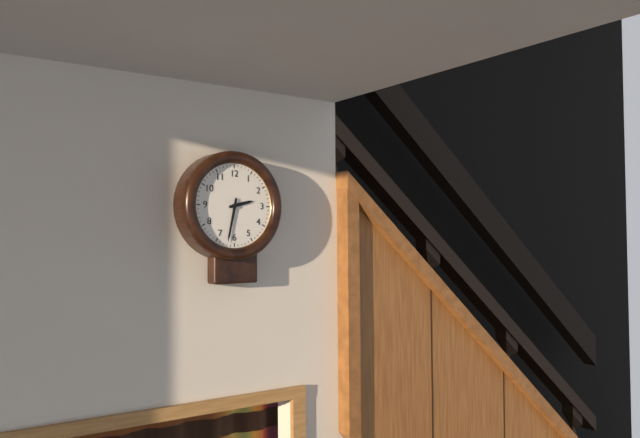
2:32
